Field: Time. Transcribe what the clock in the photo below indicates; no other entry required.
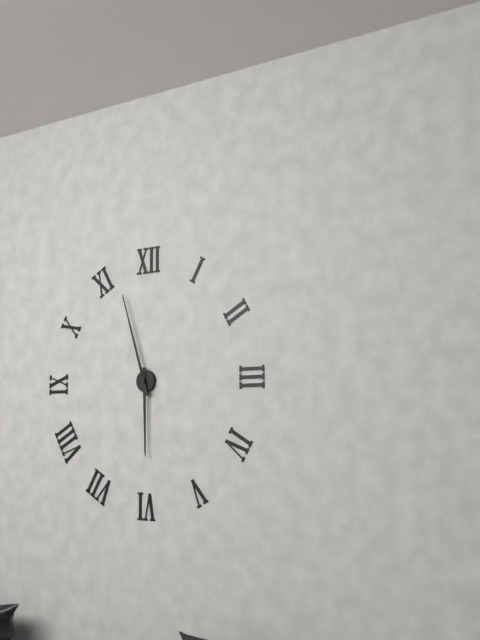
5:57
